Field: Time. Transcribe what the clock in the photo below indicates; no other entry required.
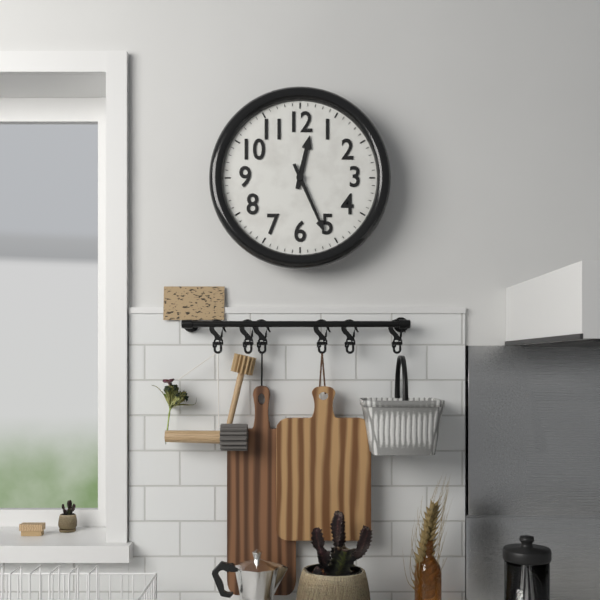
12:26
